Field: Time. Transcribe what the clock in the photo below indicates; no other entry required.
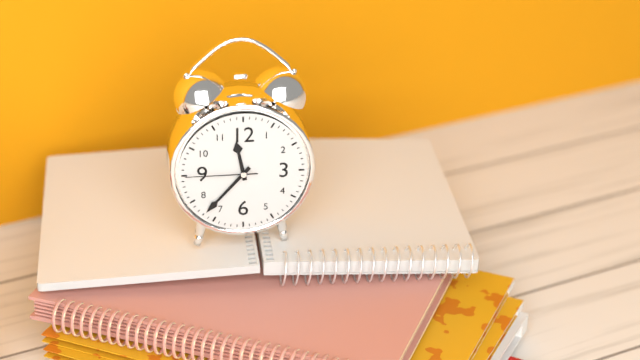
11:37:45
